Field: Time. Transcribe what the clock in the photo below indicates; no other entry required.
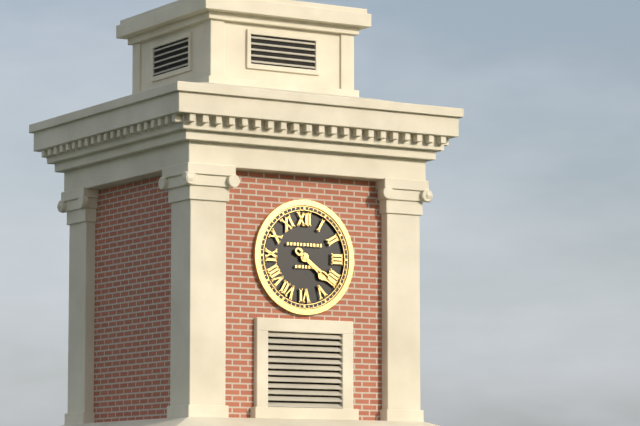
4:21
